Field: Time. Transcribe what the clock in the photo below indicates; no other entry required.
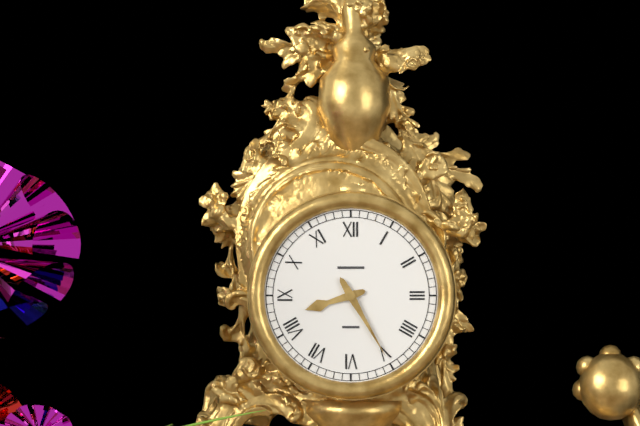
8:25
